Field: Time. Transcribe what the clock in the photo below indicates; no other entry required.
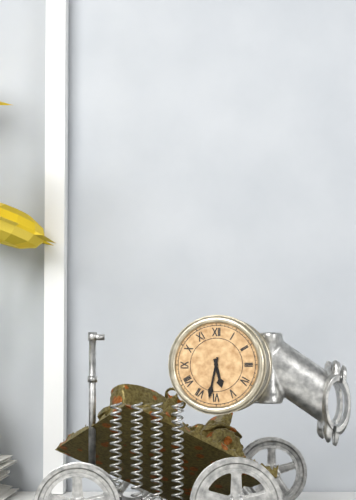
5:32
